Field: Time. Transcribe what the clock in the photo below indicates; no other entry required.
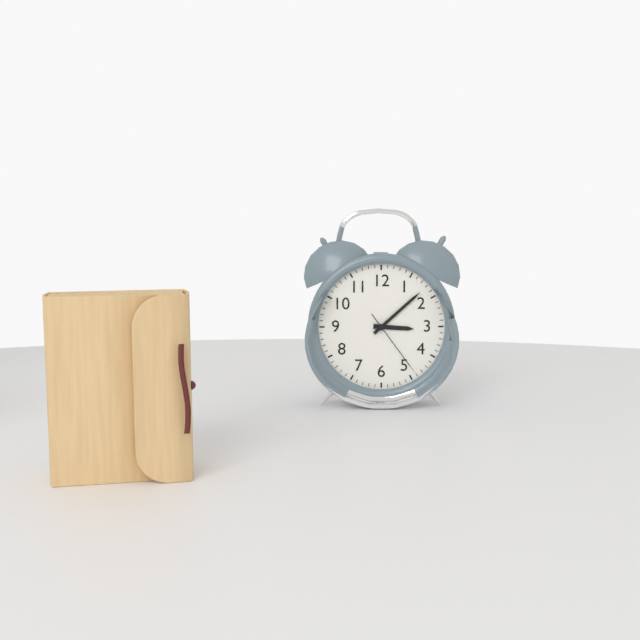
3:08:24
